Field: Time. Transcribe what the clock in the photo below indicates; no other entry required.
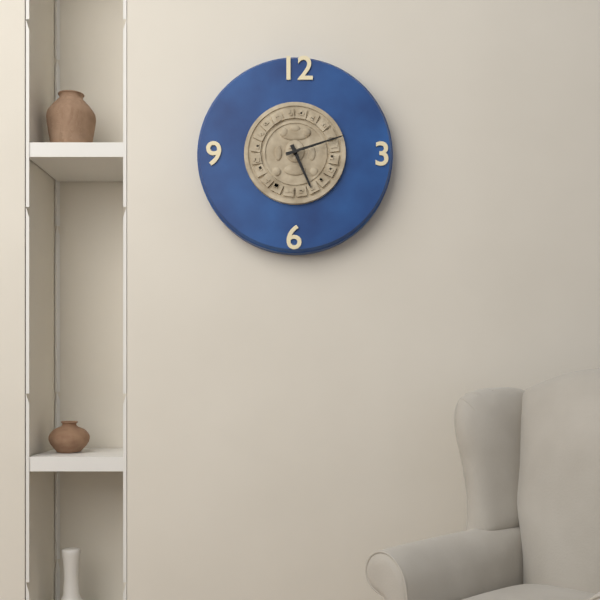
5:12
